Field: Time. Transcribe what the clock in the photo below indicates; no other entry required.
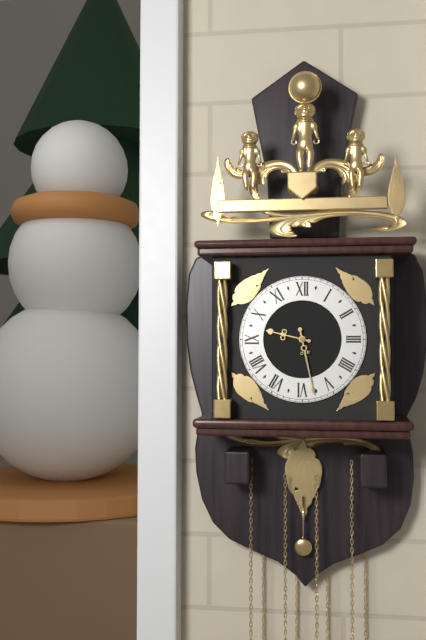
9:28
